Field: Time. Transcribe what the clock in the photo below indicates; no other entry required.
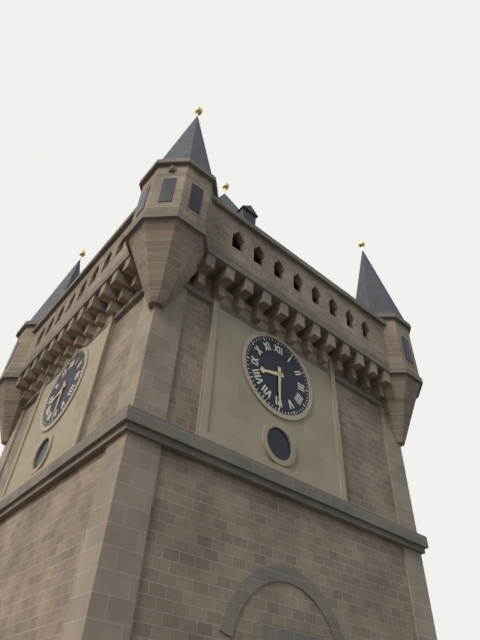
8:30
